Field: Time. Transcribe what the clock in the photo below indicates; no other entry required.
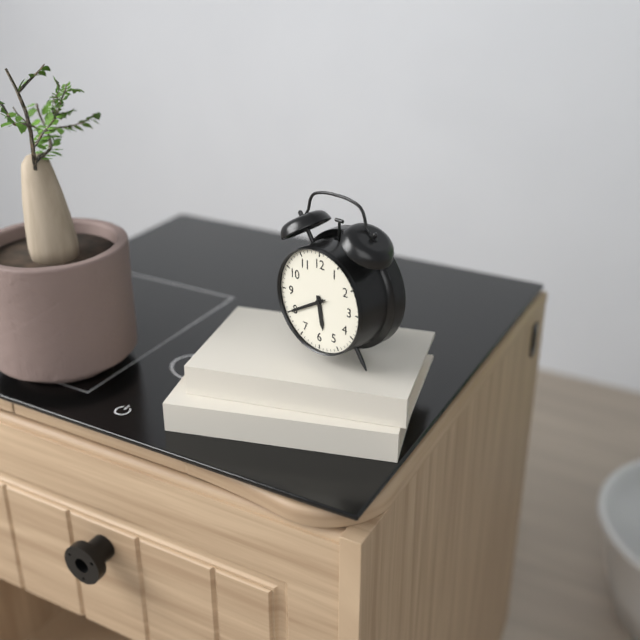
5:40
